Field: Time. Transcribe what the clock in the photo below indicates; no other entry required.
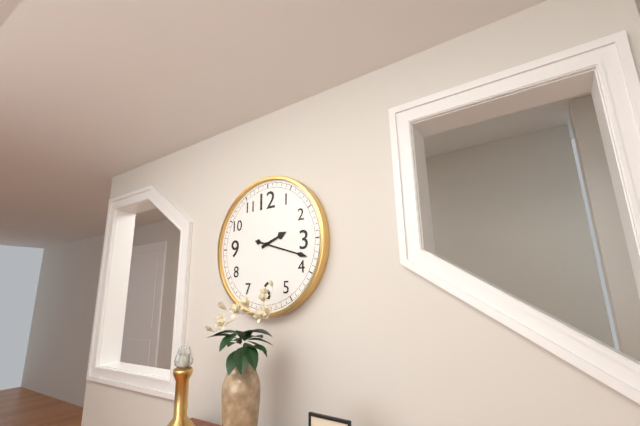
2:18
